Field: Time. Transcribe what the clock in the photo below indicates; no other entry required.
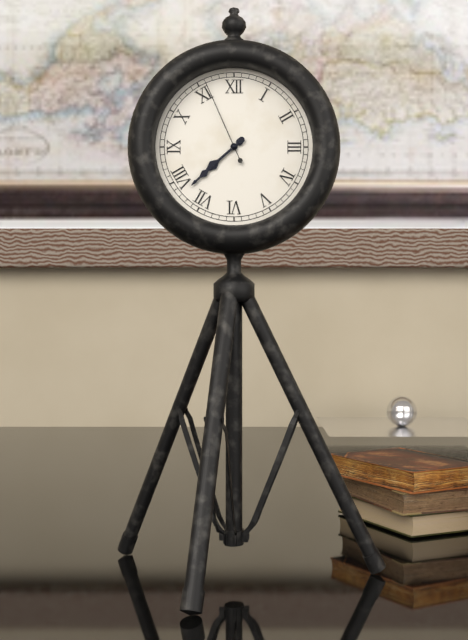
7:38:56
